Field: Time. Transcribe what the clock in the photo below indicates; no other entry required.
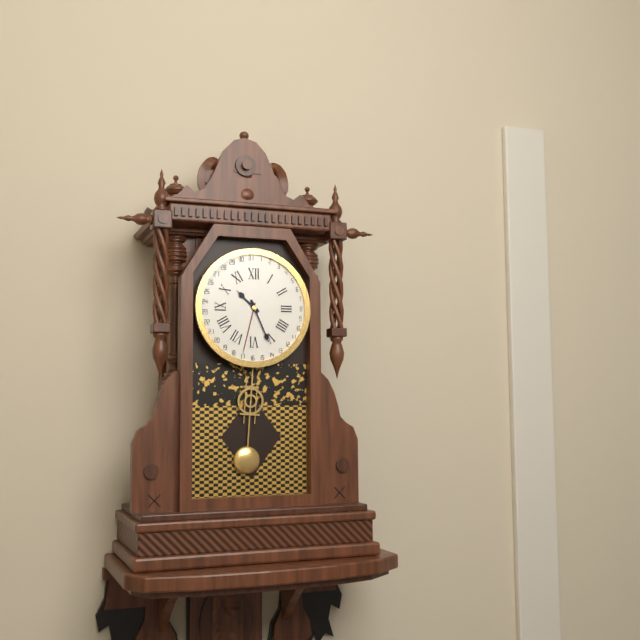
10:26
